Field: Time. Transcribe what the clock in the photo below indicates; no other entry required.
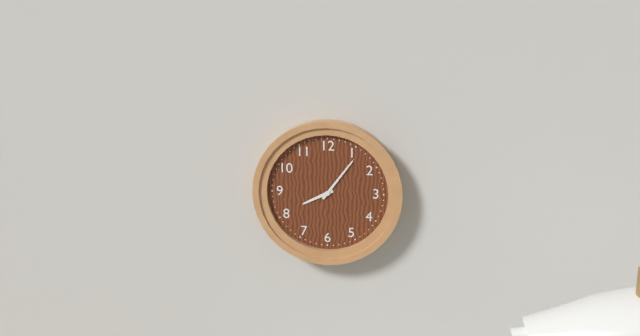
8:06
